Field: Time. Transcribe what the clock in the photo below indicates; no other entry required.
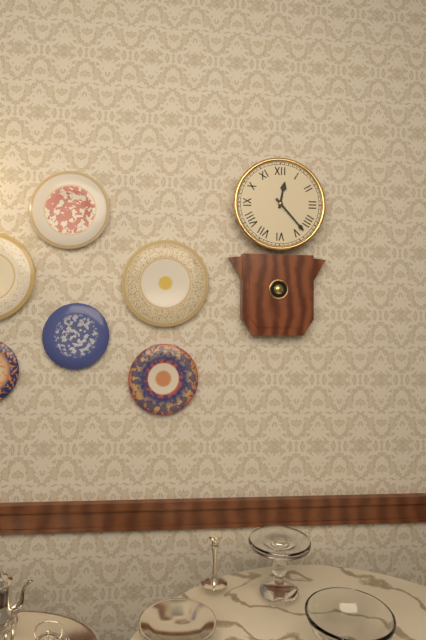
12:23
